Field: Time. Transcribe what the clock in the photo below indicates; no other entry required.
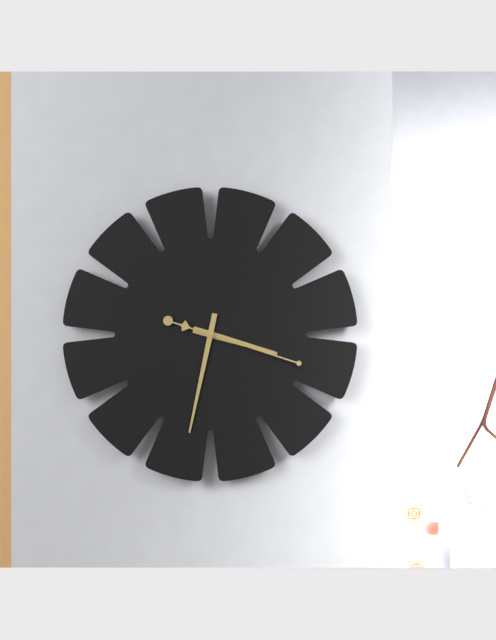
3:32:18
